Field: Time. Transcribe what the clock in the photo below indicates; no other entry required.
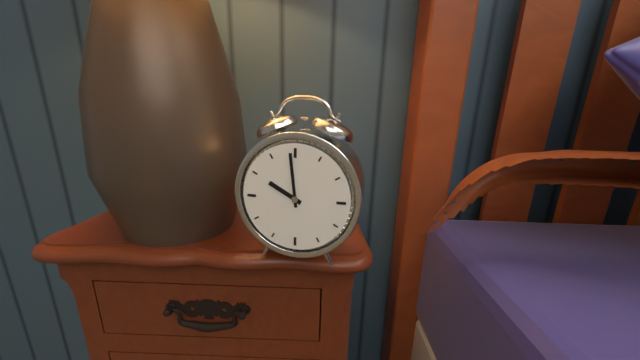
9:59
